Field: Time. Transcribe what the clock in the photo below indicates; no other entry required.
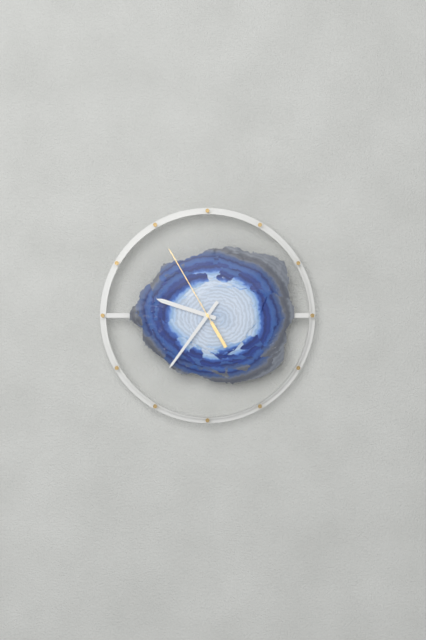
9:36:55
